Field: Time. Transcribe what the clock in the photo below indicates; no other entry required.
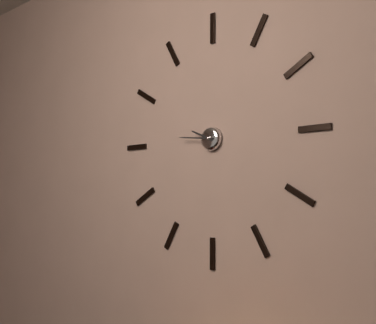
9:46
